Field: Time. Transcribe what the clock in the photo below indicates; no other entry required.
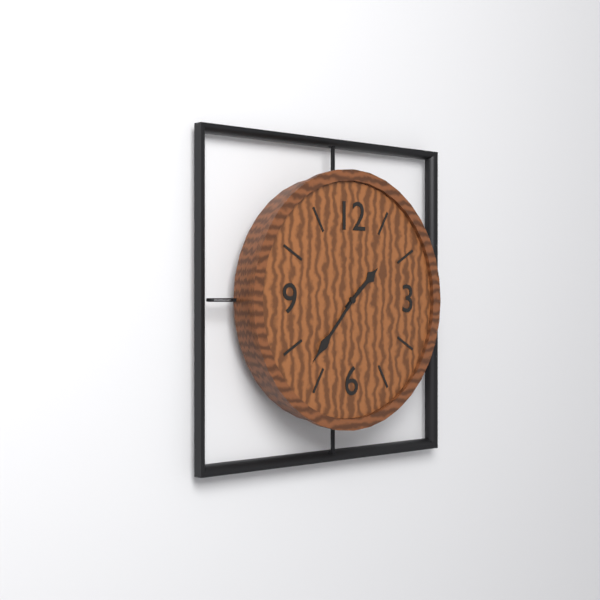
1:37
